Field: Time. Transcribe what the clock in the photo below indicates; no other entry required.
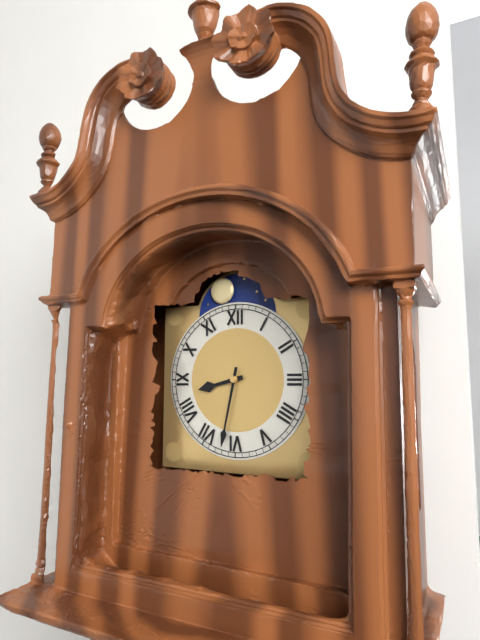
8:32
